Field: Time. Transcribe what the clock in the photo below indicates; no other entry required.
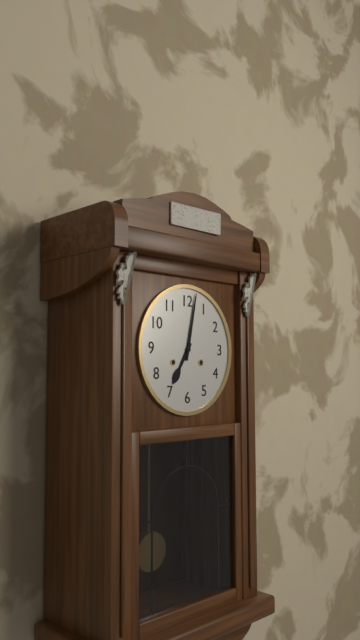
7:02
